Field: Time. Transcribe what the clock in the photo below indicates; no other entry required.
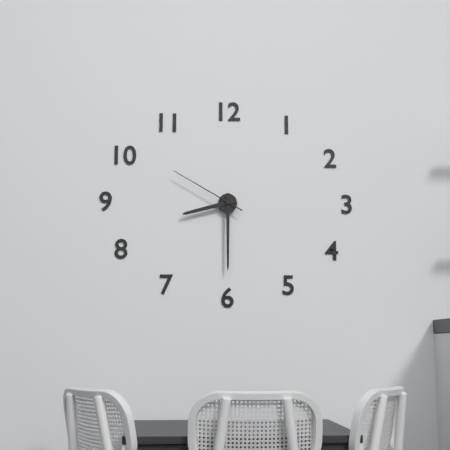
8:30:50
